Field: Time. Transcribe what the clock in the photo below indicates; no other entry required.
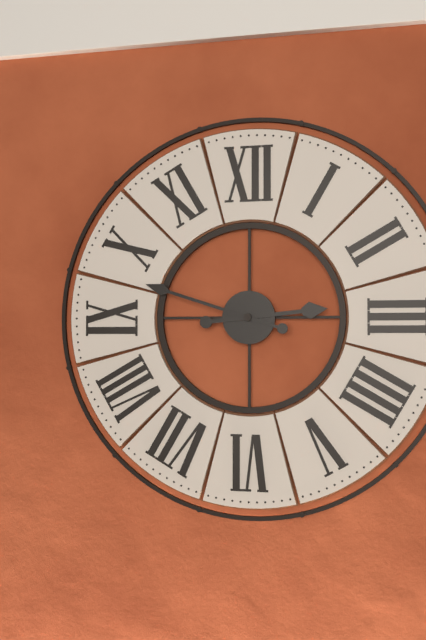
2:48
